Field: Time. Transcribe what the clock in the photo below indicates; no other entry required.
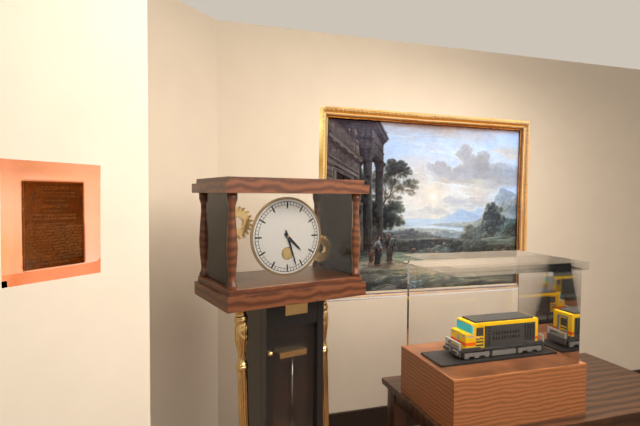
4:27
